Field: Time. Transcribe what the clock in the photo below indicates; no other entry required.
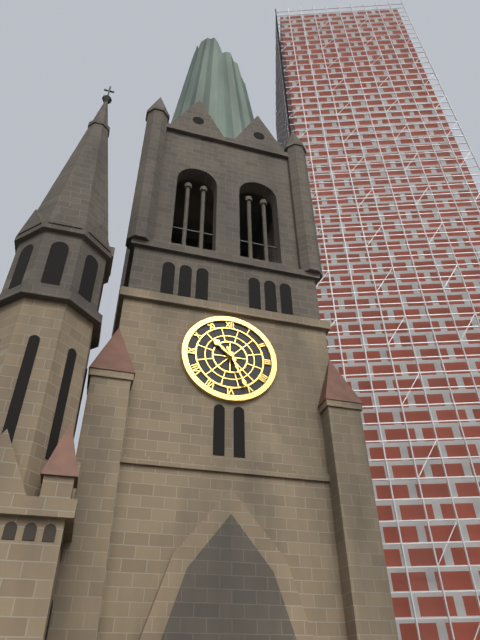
10:26
